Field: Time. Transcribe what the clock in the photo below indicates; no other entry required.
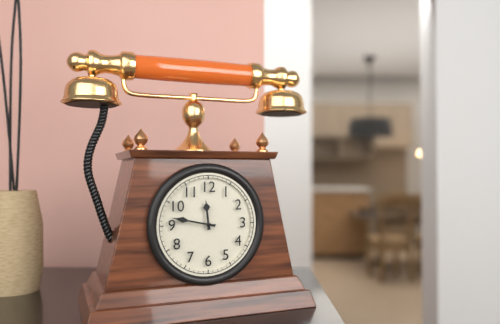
11:47
